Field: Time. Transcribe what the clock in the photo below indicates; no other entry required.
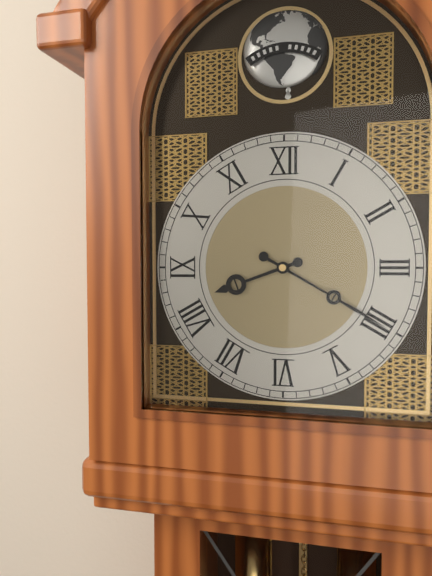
8:20
